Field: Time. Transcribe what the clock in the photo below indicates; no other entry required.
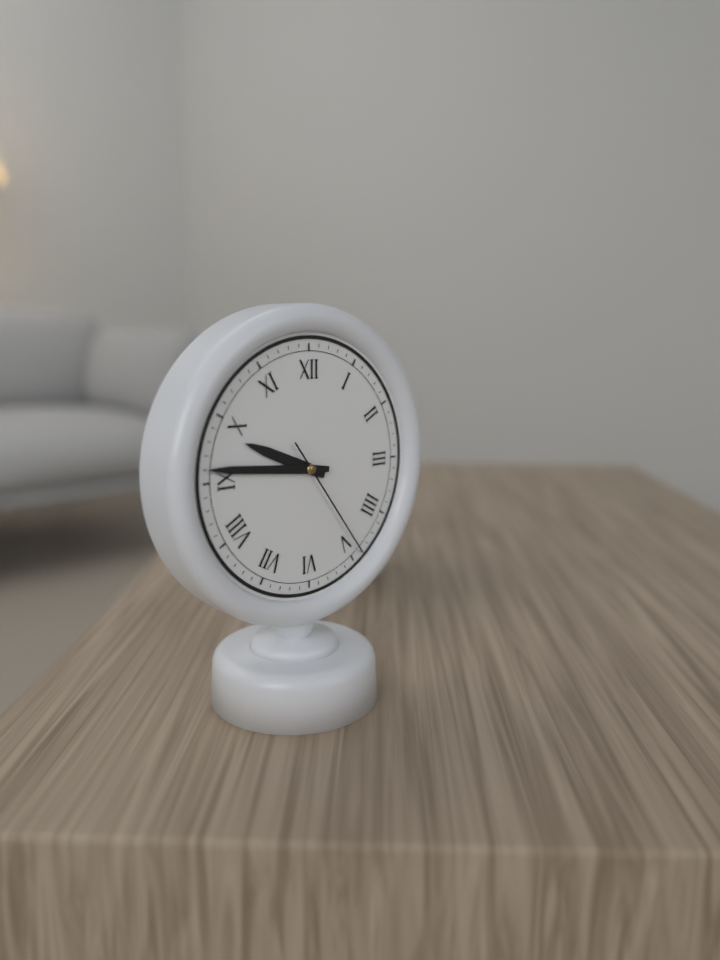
9:46:24
